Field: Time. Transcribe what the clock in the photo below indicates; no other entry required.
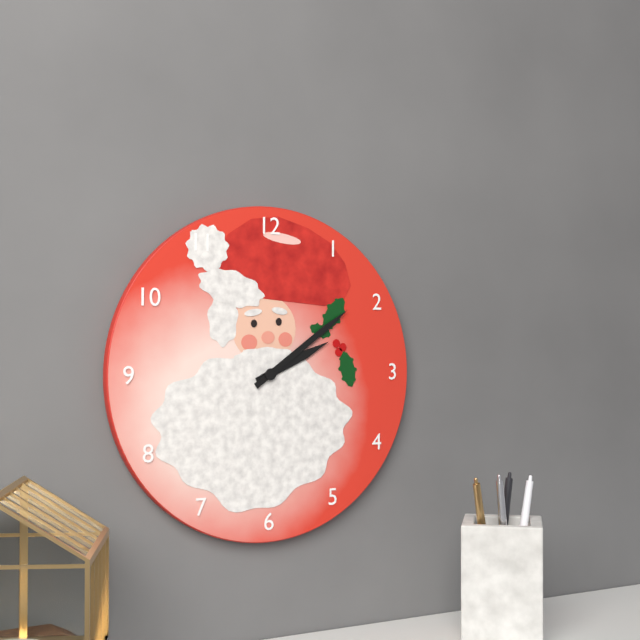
2:09
